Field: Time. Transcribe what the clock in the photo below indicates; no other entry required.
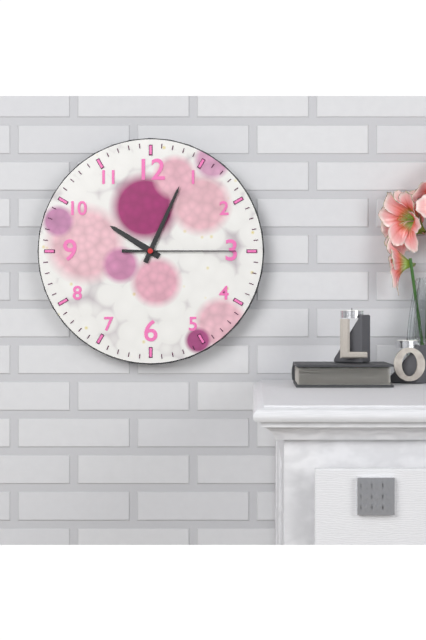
10:04:15
